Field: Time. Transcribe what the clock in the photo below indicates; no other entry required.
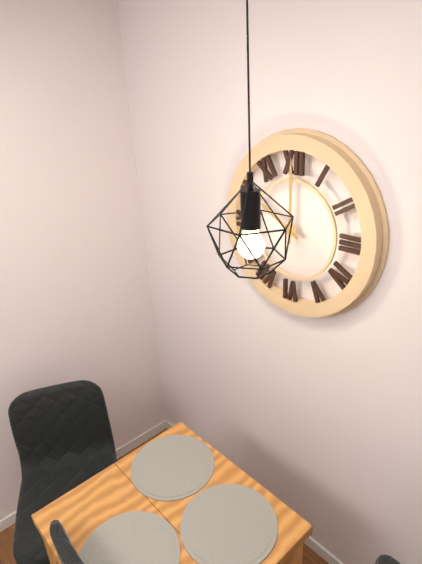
10:00
